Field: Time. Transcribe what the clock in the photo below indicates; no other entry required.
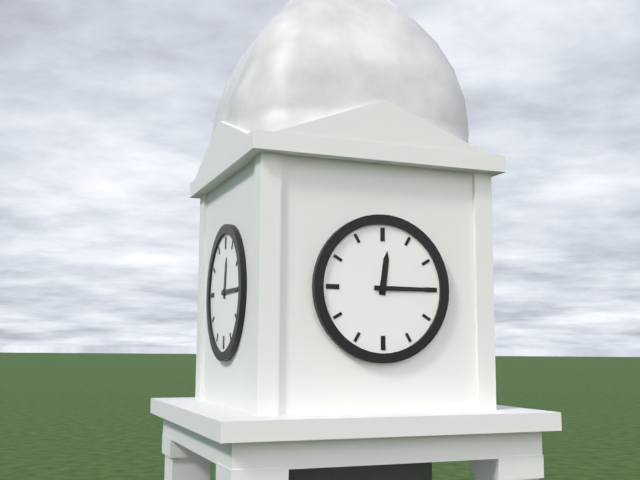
12:15
